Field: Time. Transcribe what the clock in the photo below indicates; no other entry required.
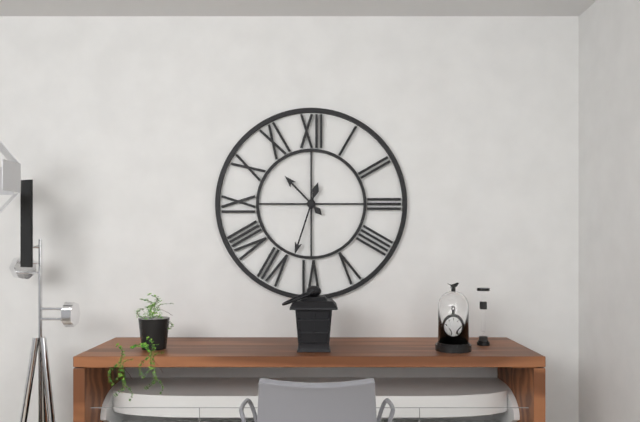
10:33
